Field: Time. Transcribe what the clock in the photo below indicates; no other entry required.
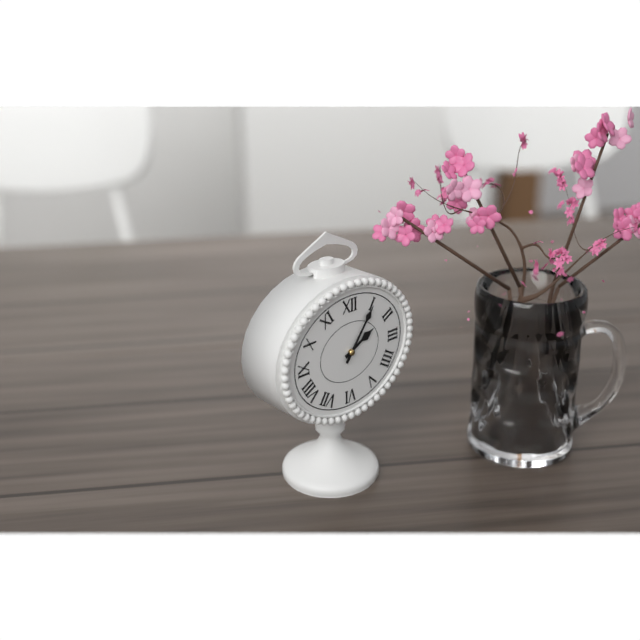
2:06
